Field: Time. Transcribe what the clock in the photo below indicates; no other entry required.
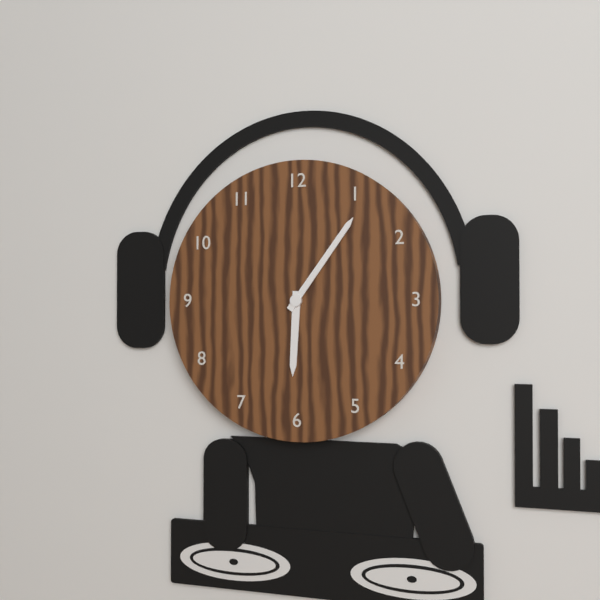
6:06
